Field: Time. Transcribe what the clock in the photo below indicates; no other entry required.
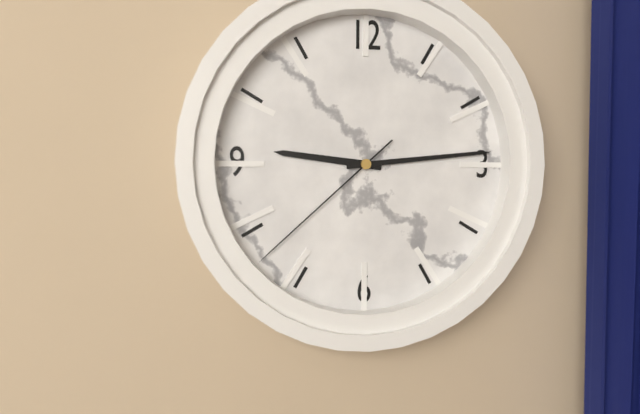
9:14:38
